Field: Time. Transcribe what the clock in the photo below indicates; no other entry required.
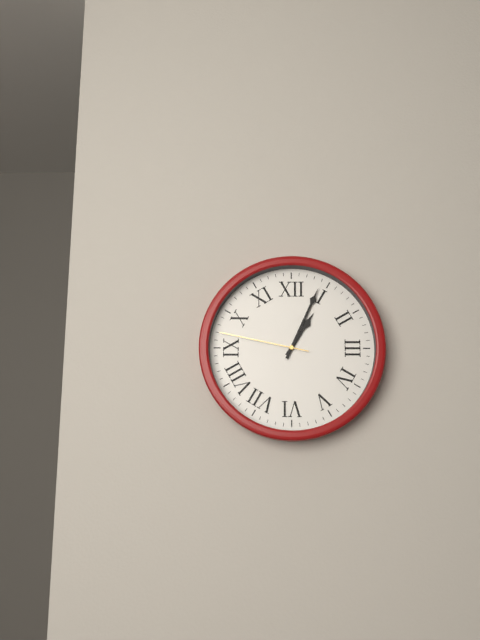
1:04:47
